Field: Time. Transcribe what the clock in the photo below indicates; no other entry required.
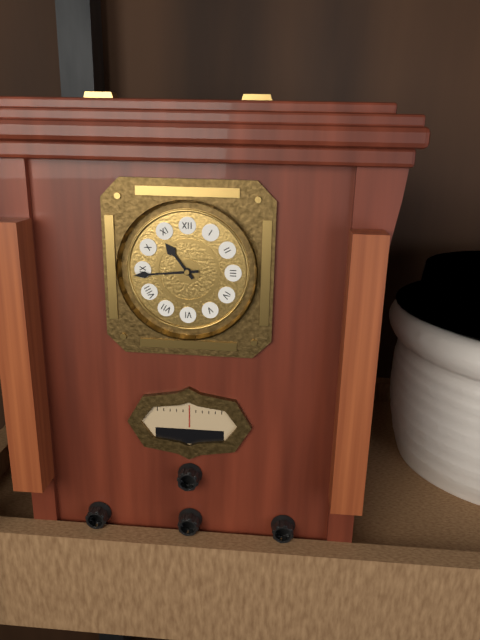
10:44
